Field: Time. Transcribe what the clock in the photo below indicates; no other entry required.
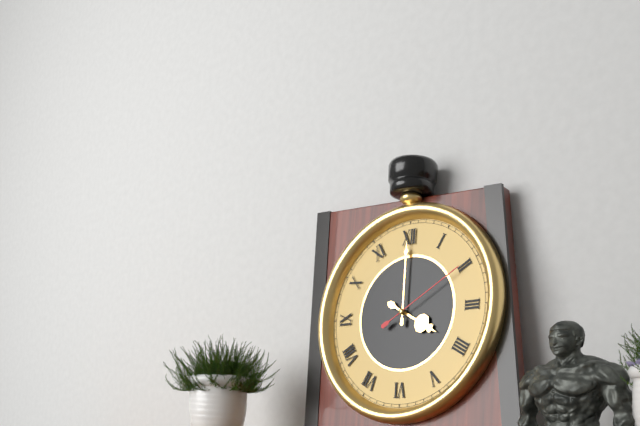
4:00:10
